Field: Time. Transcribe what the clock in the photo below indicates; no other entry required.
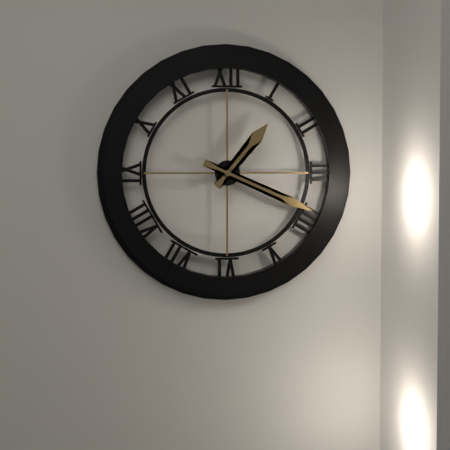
1:19
